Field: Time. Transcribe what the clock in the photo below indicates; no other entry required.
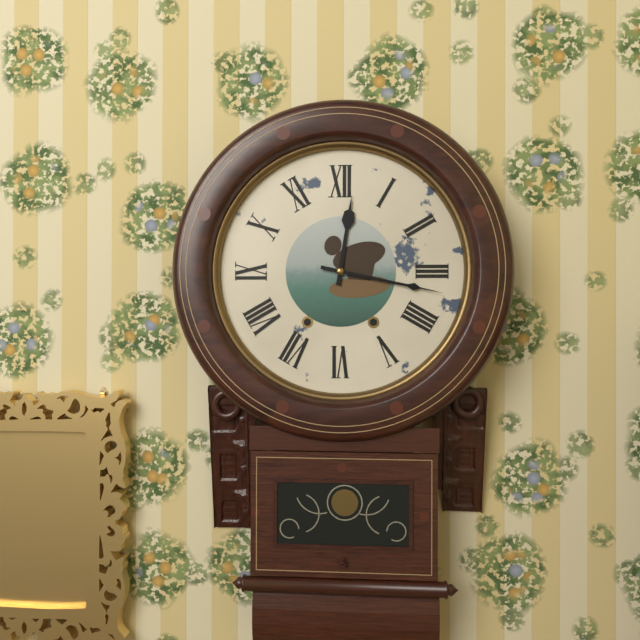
12:17
